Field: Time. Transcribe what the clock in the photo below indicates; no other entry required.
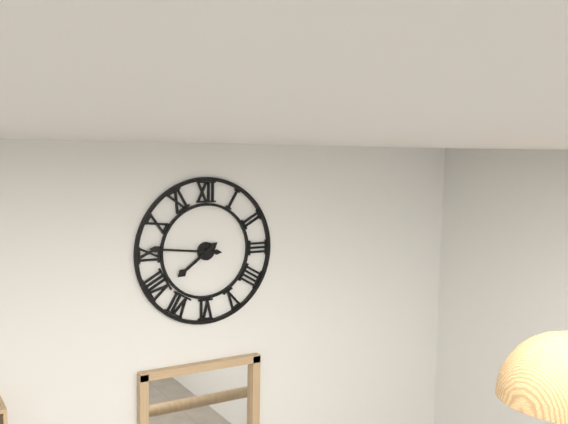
7:46
